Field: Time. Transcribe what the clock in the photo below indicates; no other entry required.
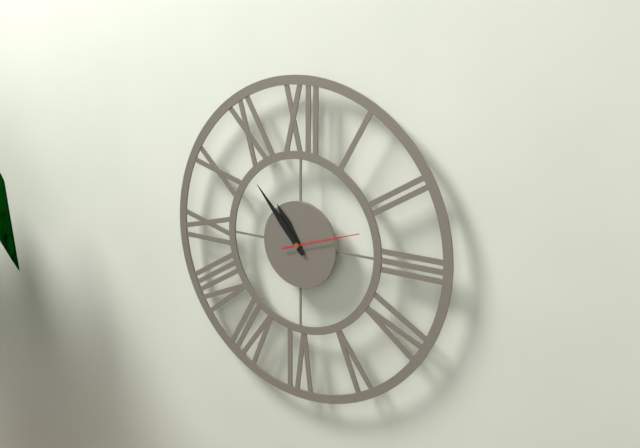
10:53:12
